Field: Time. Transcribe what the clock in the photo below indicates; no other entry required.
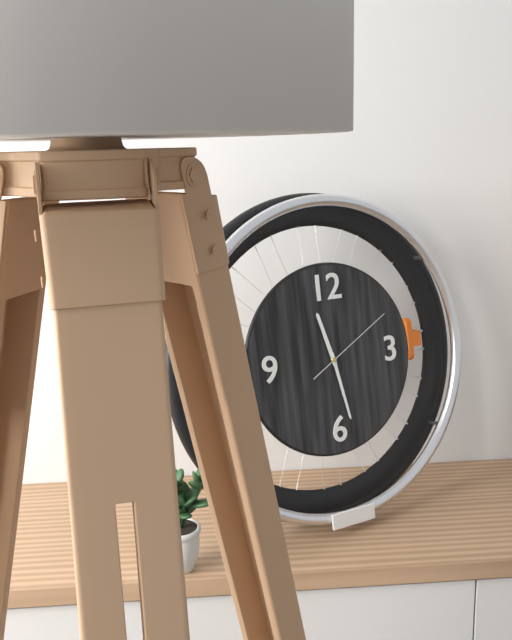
11:28:10
